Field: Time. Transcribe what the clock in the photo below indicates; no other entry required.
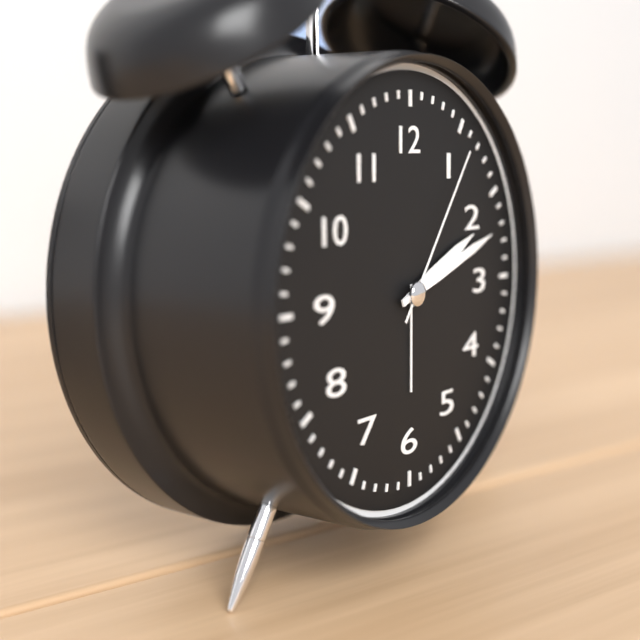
2:12:06
